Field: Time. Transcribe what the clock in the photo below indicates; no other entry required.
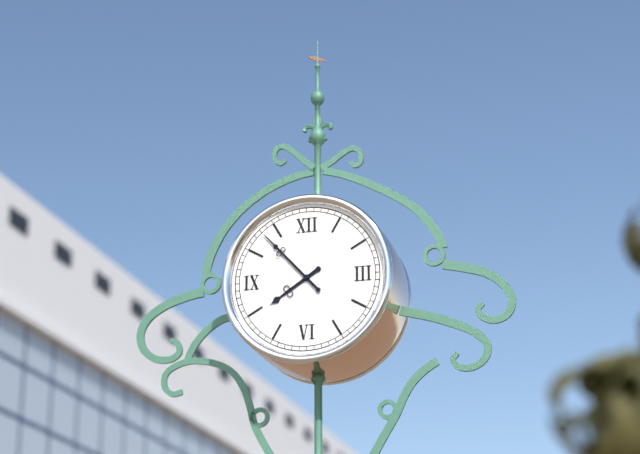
7:53
